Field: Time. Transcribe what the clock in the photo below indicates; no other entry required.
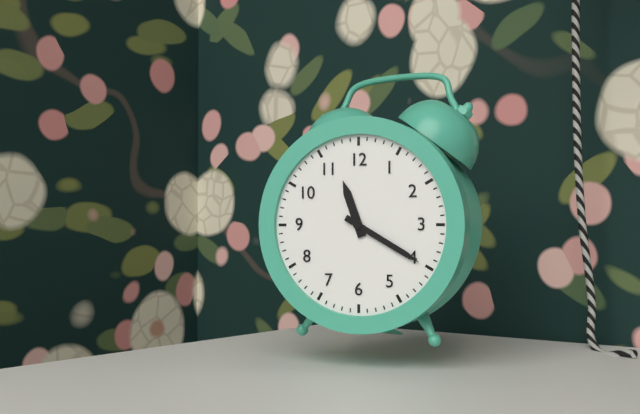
11:20
